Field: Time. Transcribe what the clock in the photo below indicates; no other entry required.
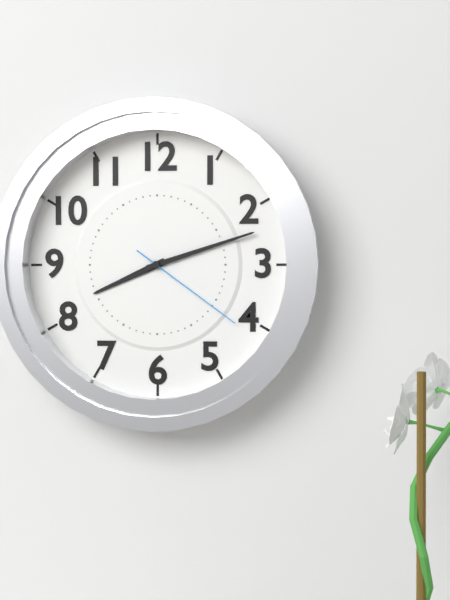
8:12:21
